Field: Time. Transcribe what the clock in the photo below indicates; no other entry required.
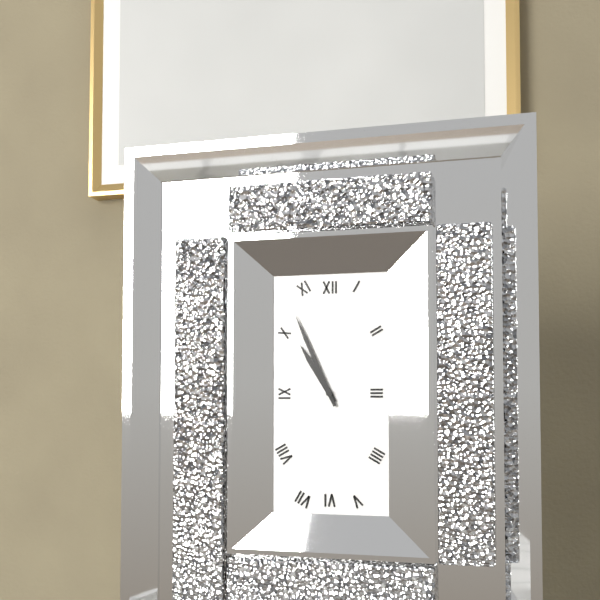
10:56
